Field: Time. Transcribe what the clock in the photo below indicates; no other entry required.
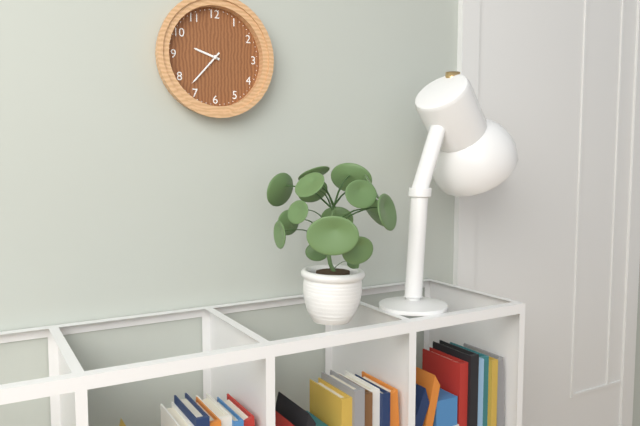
9:37
